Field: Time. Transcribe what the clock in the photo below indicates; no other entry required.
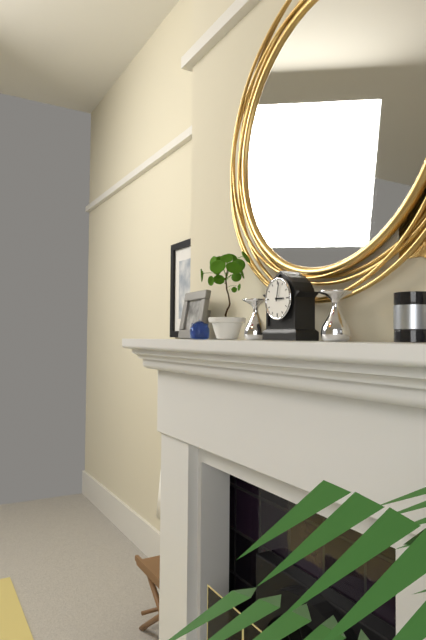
3:02
